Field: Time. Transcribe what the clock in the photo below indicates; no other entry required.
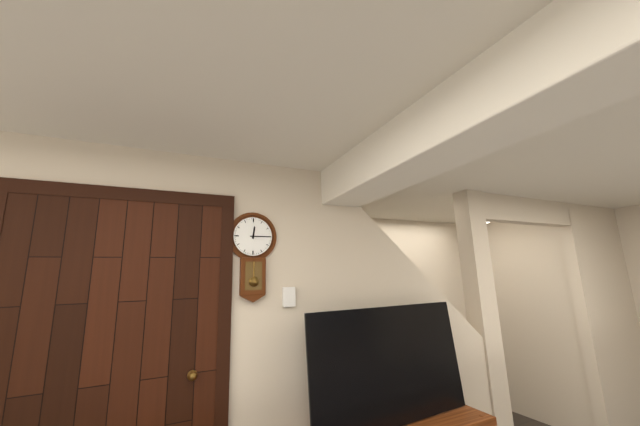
12:15
